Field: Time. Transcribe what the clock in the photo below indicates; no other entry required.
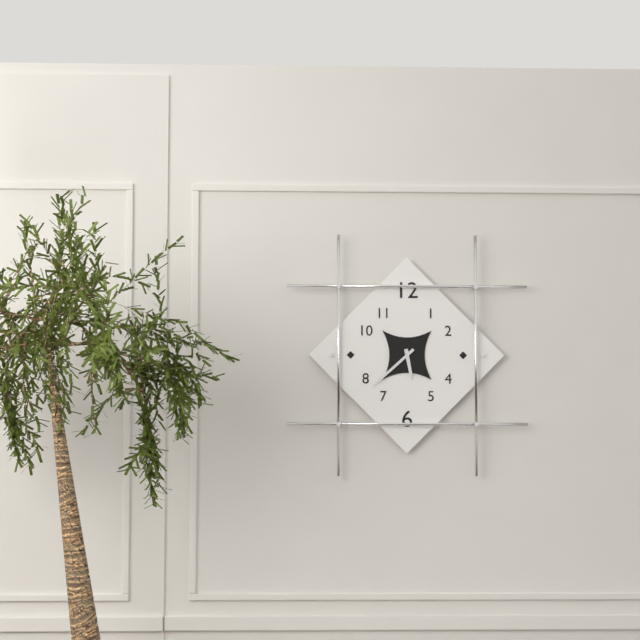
5:38
